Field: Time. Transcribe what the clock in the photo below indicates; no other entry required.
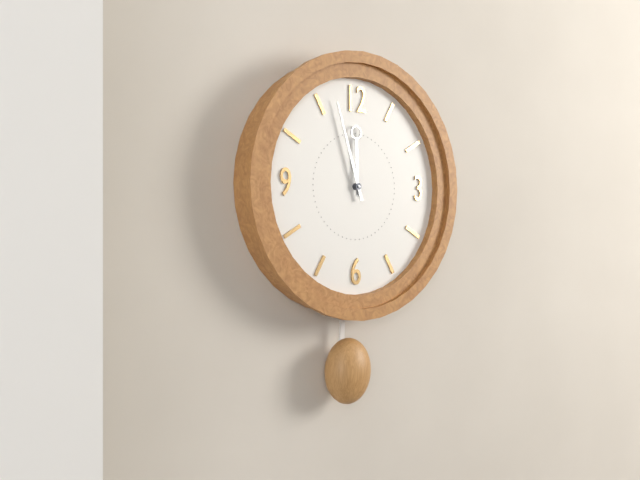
11:57
